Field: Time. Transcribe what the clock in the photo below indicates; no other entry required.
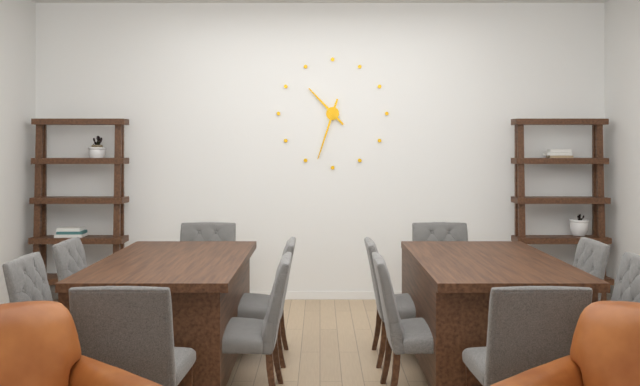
10:33
